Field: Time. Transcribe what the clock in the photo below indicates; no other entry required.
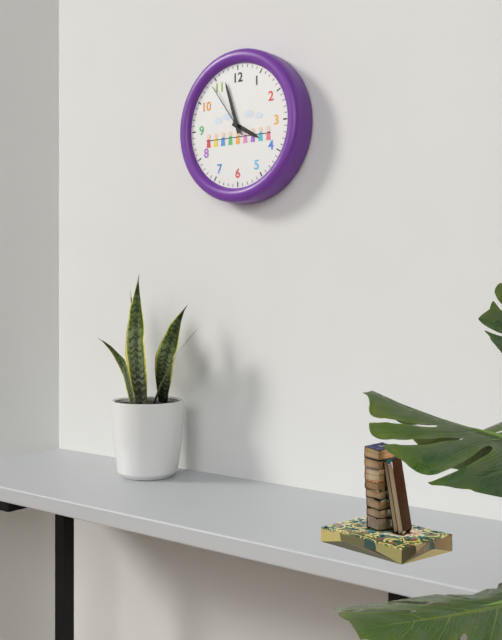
3:57:54
